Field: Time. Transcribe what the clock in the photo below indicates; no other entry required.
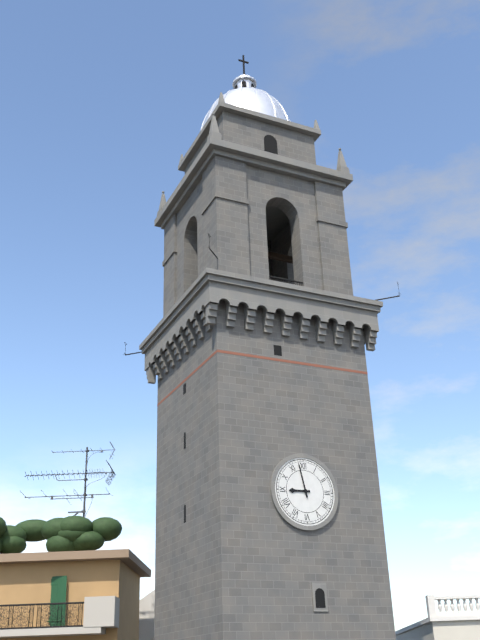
8:58
